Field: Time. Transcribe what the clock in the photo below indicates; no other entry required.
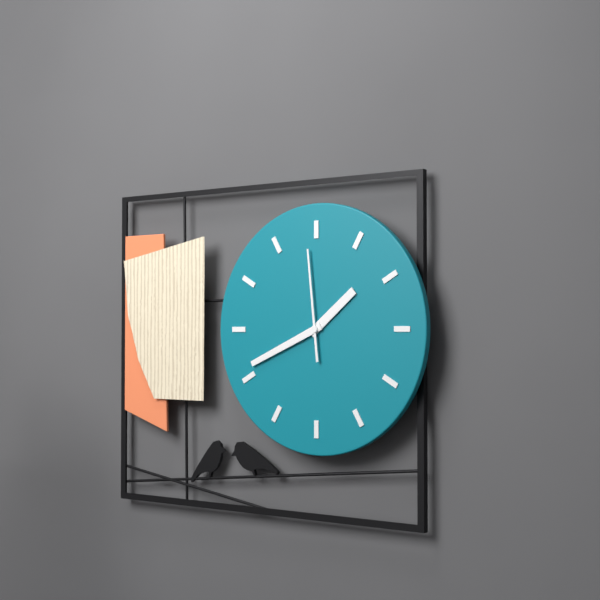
1:41:59
